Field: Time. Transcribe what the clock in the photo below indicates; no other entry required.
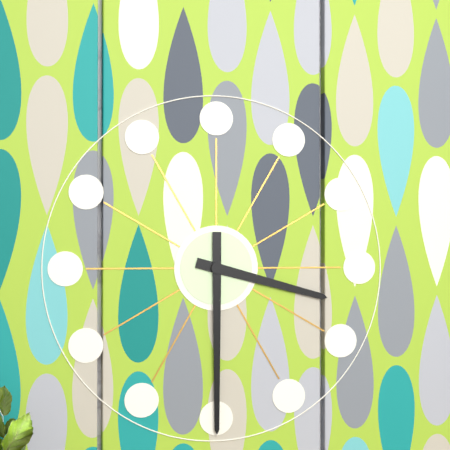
3:30
